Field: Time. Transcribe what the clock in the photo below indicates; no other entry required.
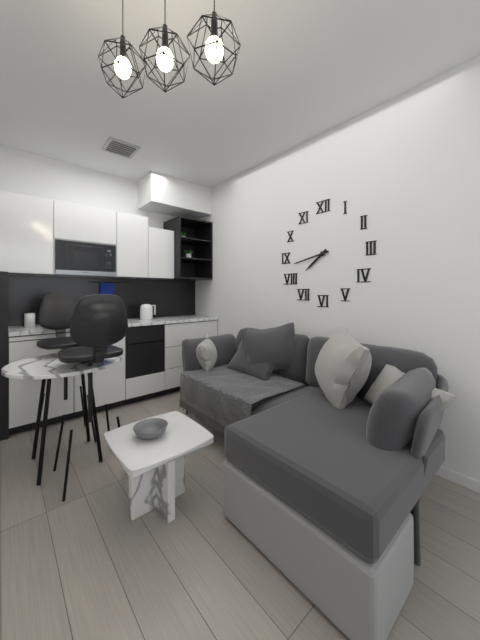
7:43
